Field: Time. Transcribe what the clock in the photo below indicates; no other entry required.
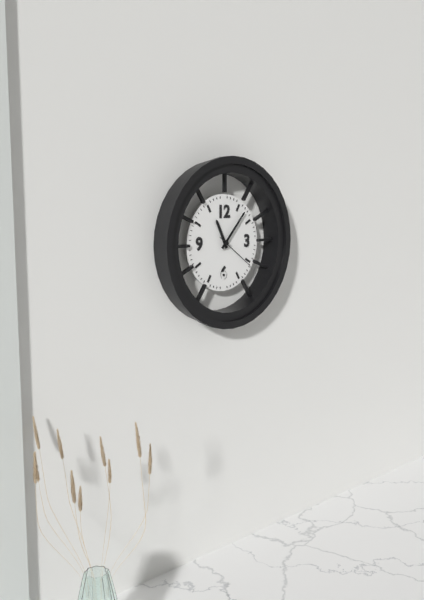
11:07
